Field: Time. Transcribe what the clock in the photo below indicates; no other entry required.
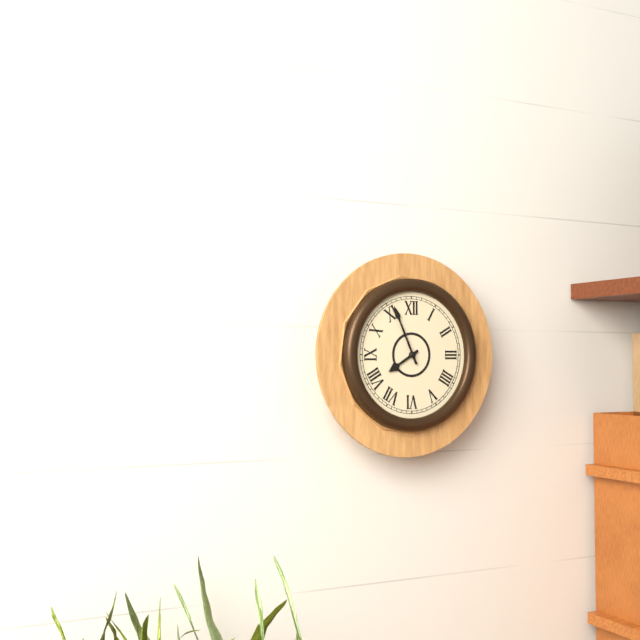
7:56
